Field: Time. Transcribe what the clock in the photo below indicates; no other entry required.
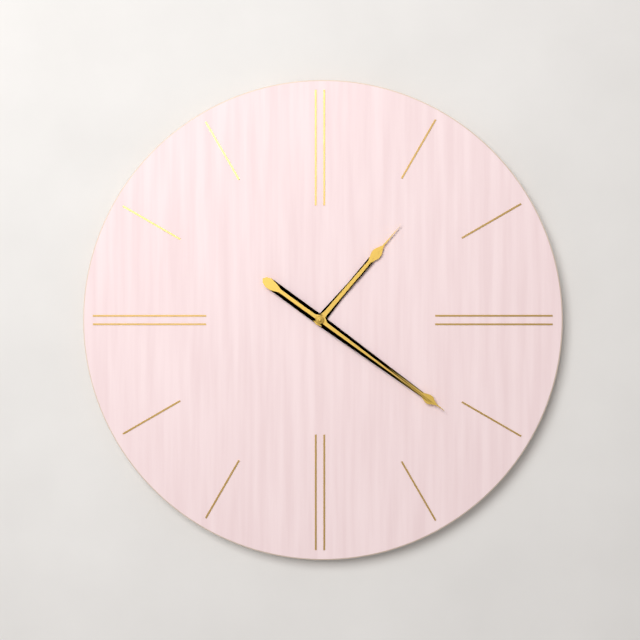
1:21
